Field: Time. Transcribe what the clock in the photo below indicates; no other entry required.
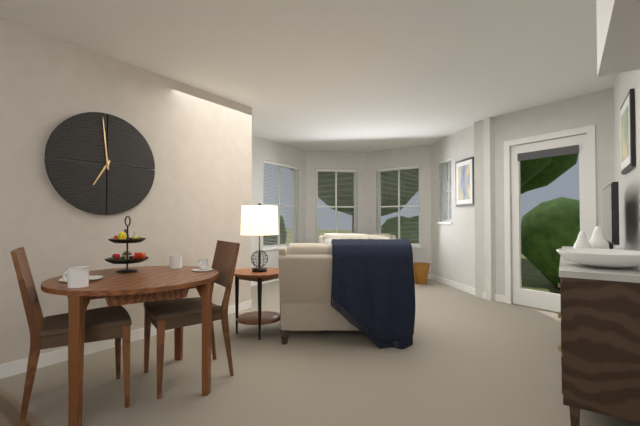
6:59
